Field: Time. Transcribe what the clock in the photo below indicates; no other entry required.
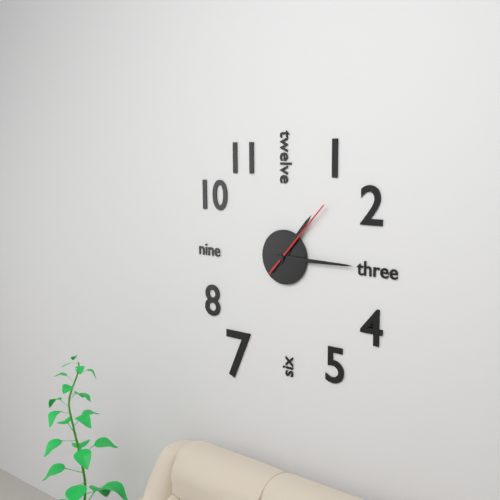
1:15:07
